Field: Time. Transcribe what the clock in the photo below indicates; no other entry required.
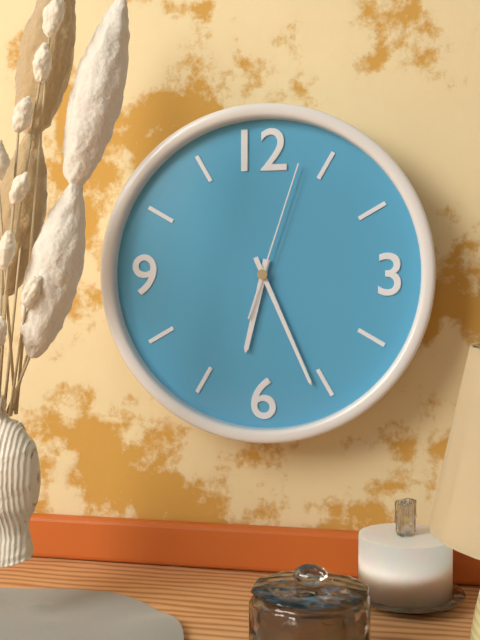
6:26:03
